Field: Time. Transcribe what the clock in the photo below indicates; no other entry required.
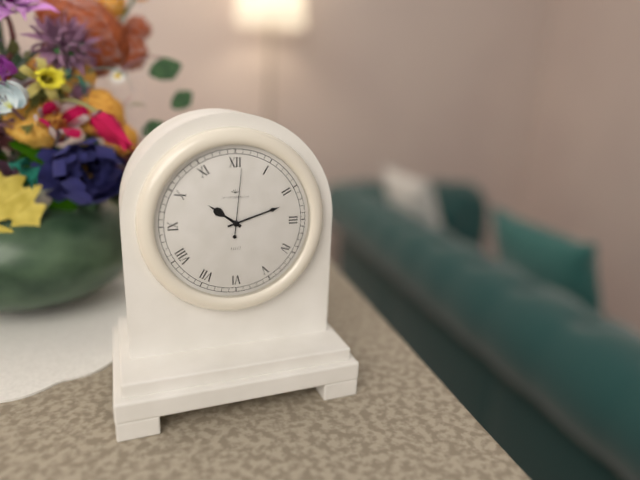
10:12:01
